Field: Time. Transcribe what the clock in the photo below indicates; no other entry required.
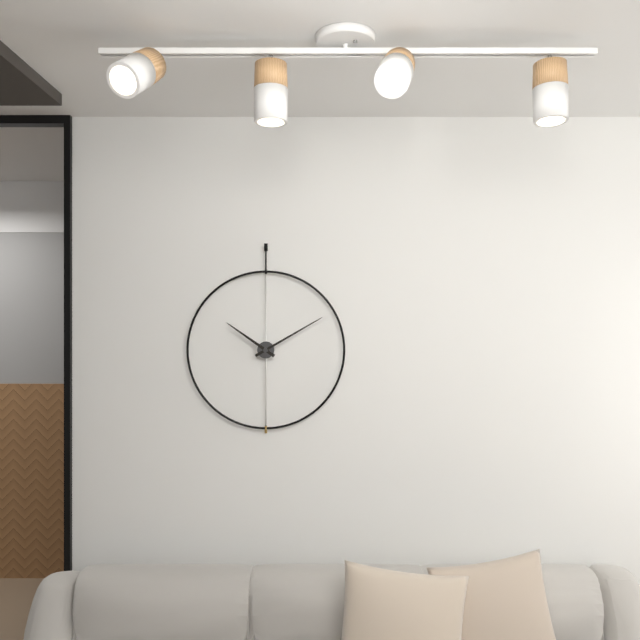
10:10
